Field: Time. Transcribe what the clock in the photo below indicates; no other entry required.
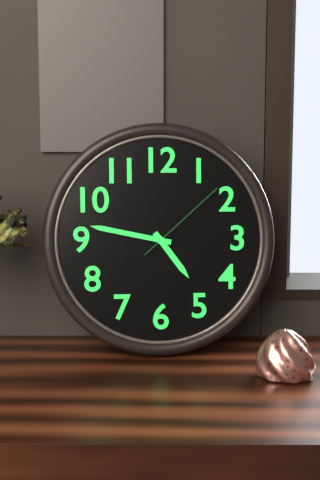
4:47:08
